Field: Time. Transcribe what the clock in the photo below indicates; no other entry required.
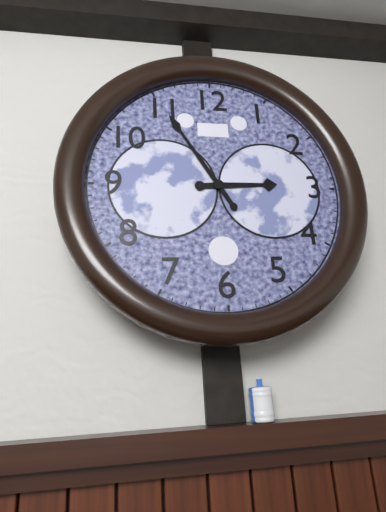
2:55
